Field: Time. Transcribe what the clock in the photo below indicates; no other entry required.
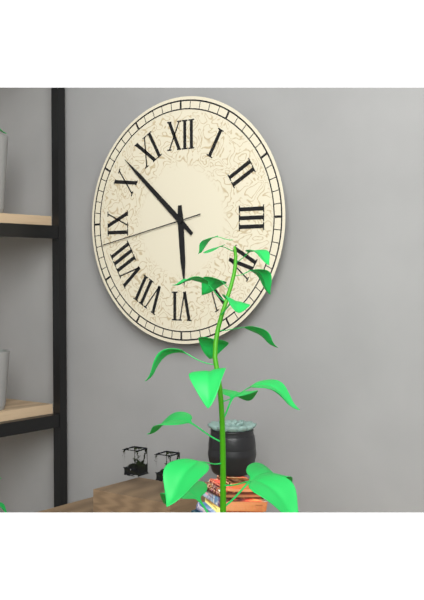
5:52:43
